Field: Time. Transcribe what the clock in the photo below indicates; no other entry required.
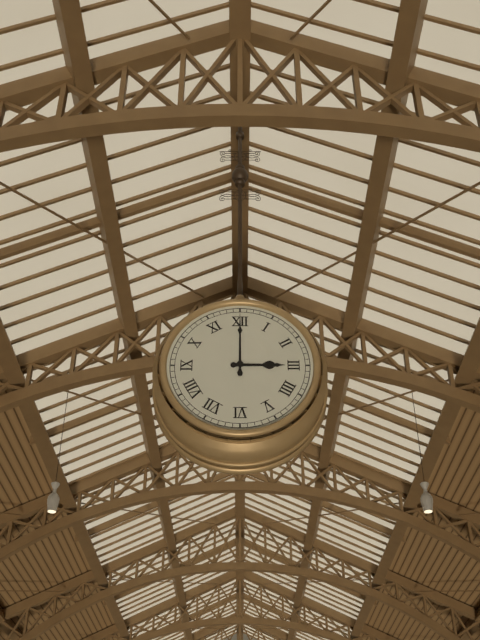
3:00
